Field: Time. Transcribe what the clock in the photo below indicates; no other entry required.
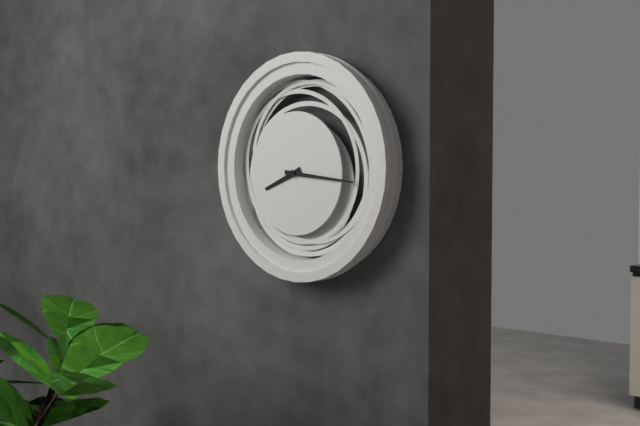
8:16
